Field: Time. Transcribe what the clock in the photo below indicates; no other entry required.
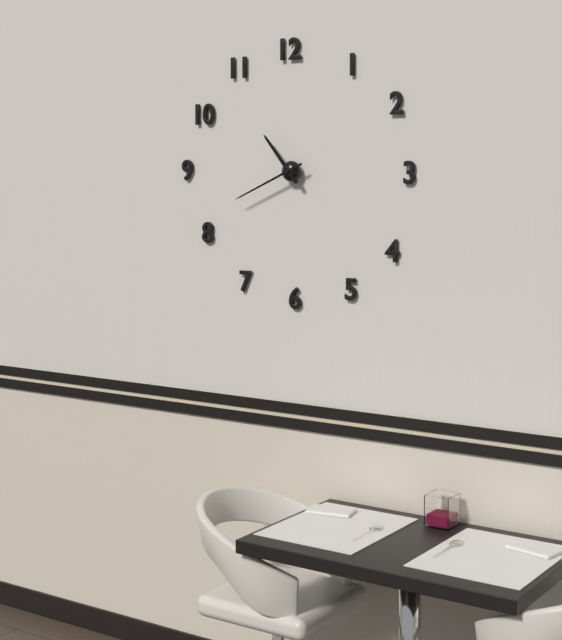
10:41
